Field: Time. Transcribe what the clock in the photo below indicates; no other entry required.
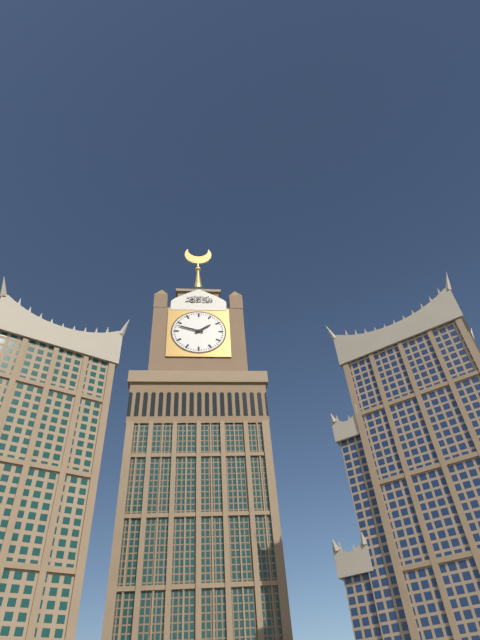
1:48
